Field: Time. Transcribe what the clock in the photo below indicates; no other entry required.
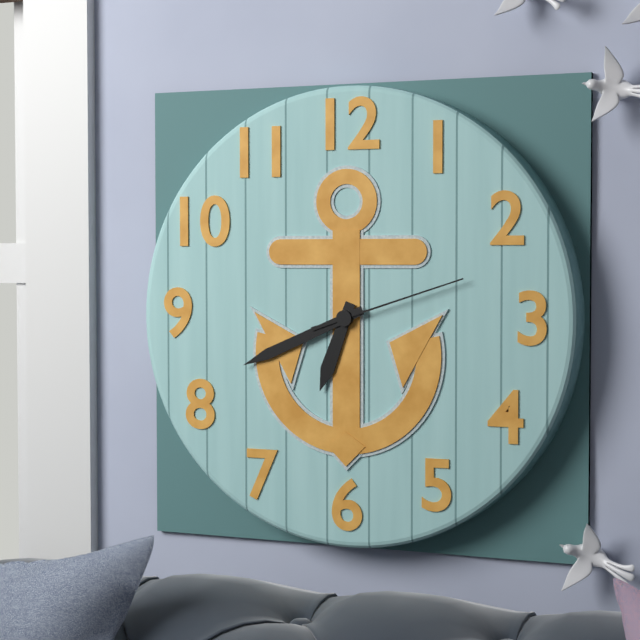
6:41:12
